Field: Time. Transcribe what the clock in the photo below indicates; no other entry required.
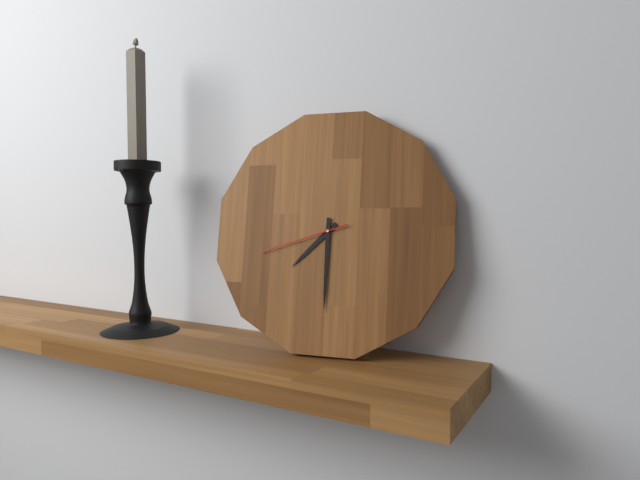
7:30:42
